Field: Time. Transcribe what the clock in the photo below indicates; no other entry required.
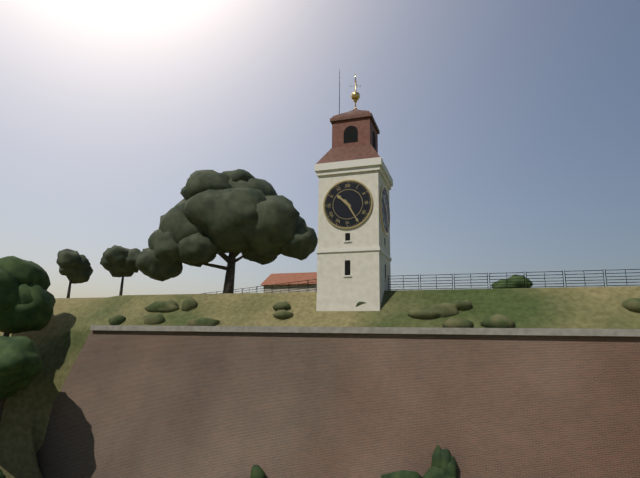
10:25
